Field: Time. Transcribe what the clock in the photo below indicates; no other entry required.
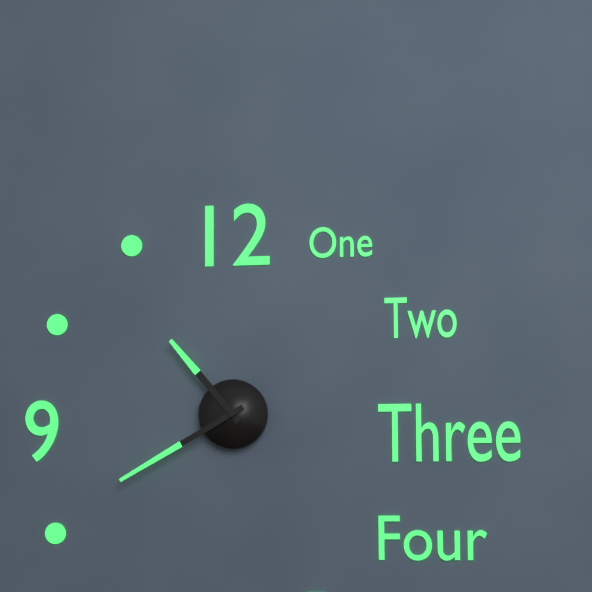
10:40
